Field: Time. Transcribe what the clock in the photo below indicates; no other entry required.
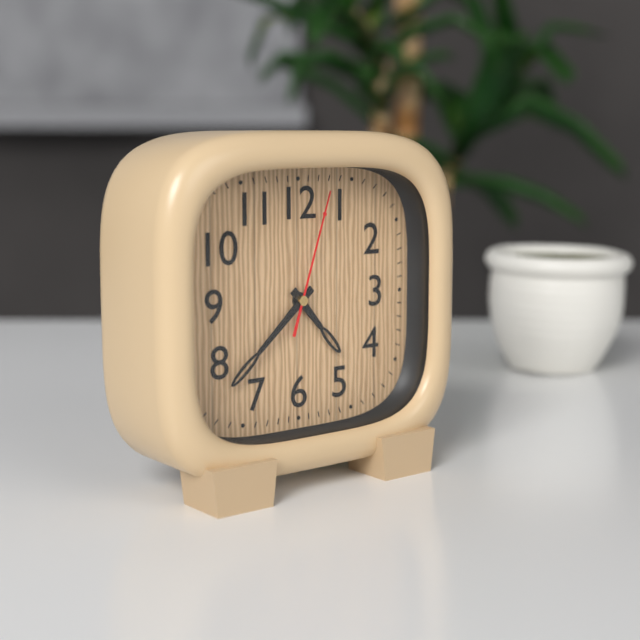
4:38:03
